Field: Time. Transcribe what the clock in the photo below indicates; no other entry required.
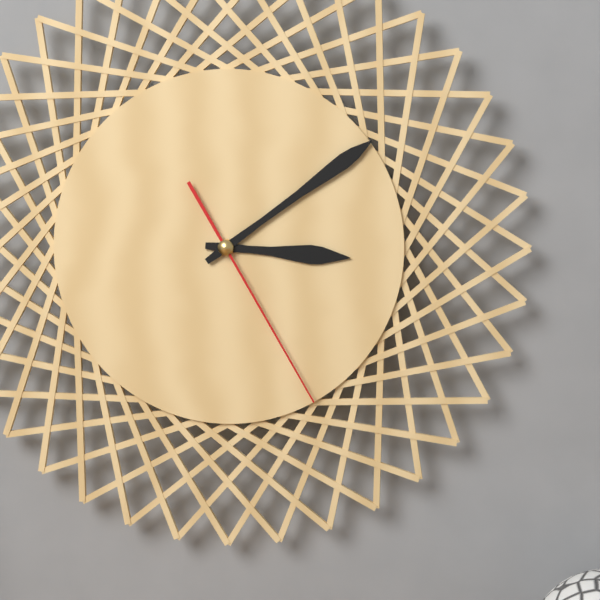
3:09:25
